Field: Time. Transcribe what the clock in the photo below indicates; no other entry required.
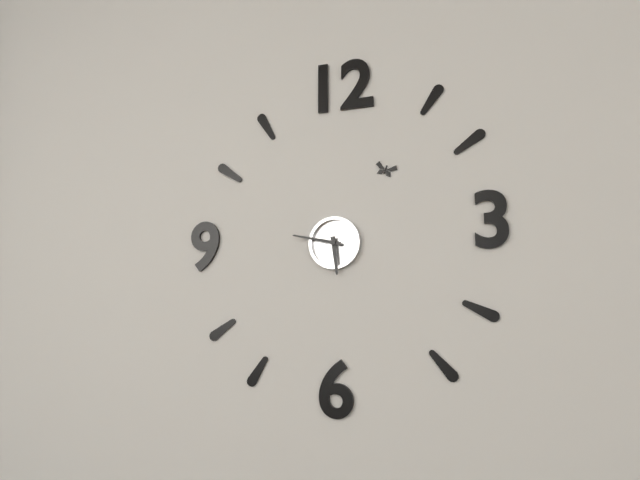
5:47
